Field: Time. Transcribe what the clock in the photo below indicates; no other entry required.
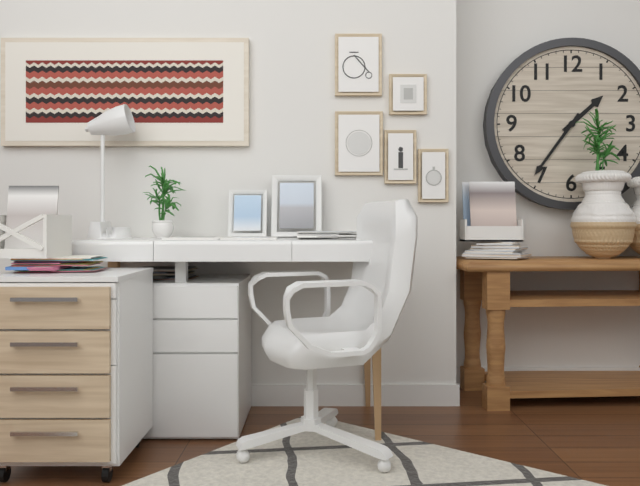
1:36
